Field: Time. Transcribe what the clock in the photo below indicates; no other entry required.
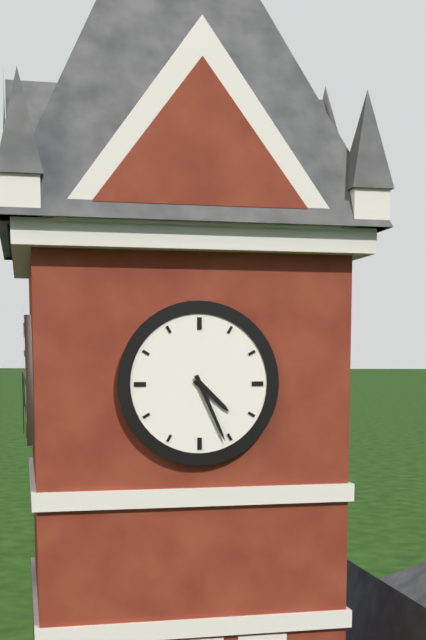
4:26
